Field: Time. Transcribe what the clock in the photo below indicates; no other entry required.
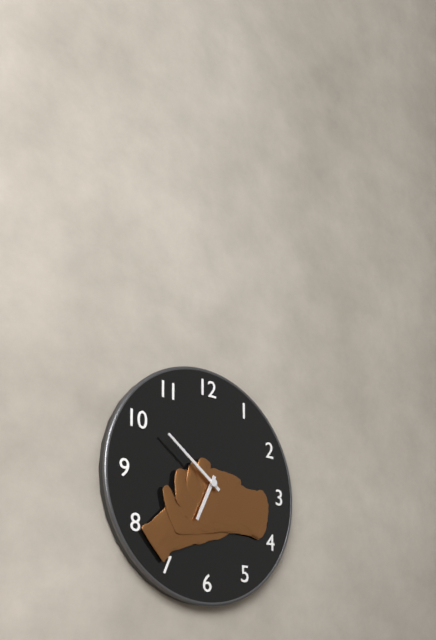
6:51
